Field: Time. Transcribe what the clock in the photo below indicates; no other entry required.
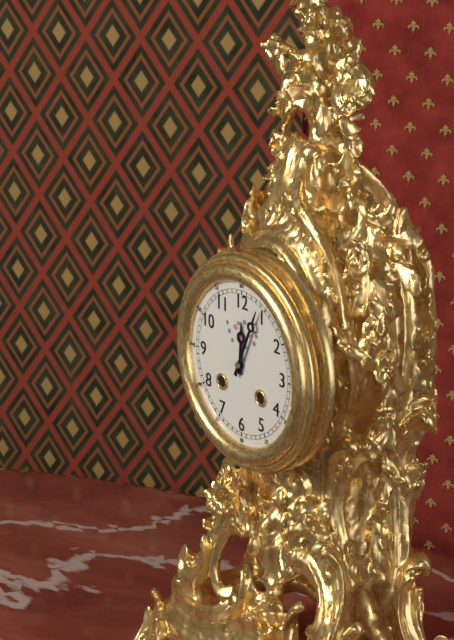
12:04
